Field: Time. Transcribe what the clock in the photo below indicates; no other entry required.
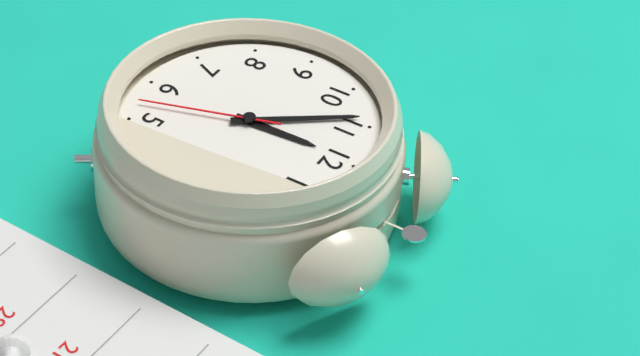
11:54:27
